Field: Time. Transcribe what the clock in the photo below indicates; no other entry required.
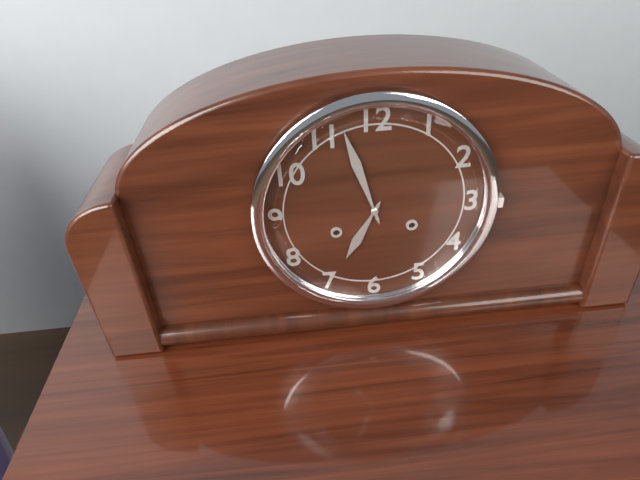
6:57
